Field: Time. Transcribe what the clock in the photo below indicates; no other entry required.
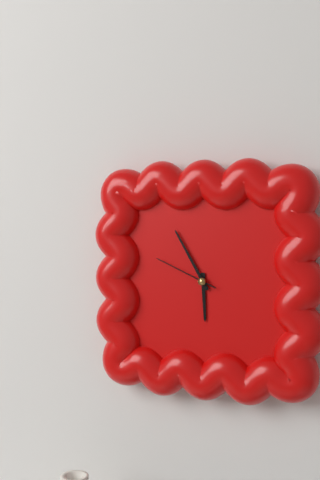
5:55:49
